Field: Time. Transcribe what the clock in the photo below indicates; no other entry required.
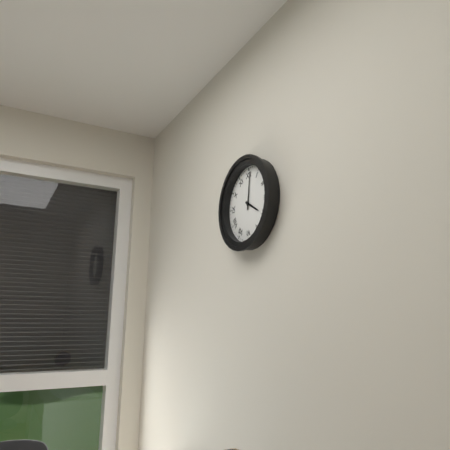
4:01
